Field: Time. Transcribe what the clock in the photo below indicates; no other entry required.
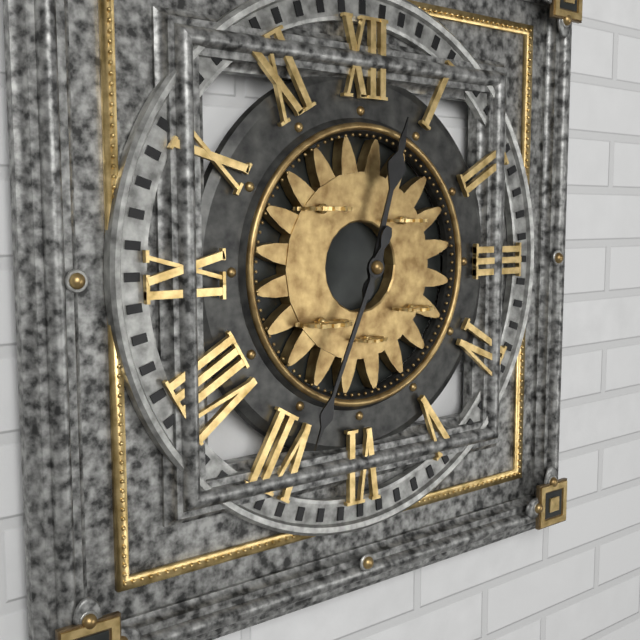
12:34
